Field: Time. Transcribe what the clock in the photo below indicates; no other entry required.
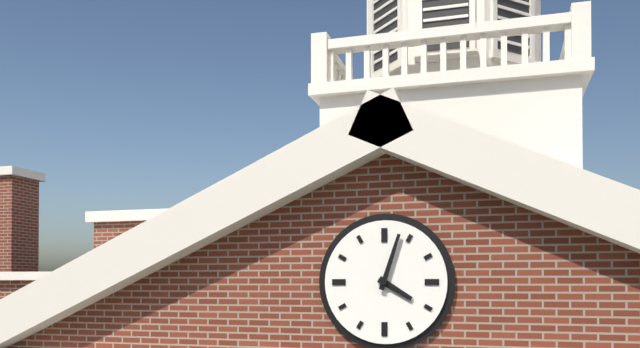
4:03
